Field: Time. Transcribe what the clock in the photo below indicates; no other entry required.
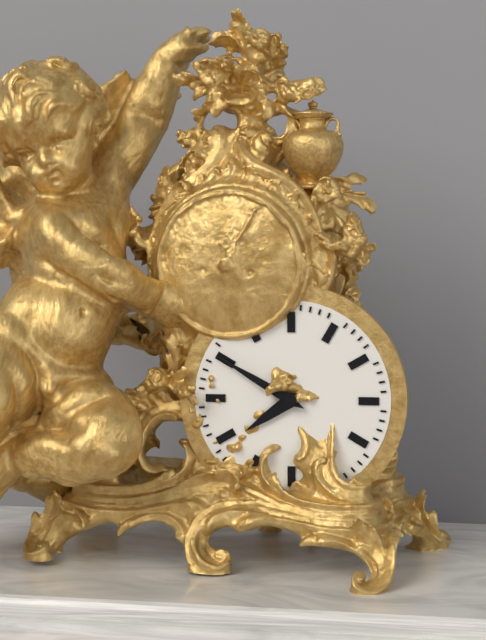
7:50
